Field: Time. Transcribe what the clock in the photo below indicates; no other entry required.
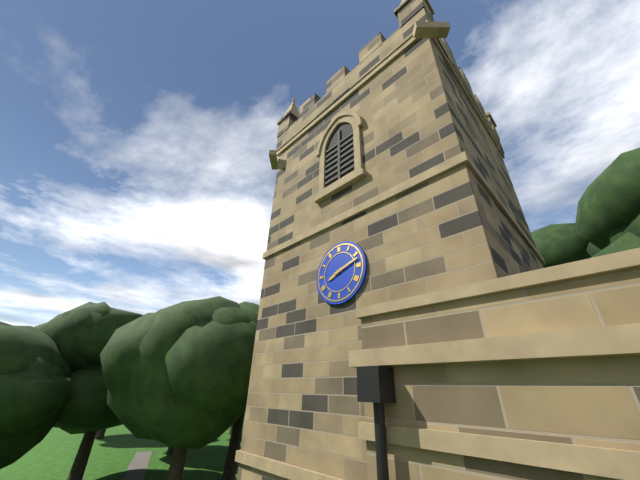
8:12
